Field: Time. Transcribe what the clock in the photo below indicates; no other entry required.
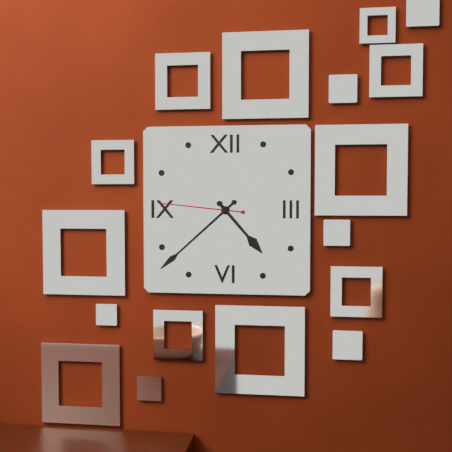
4:38:46
